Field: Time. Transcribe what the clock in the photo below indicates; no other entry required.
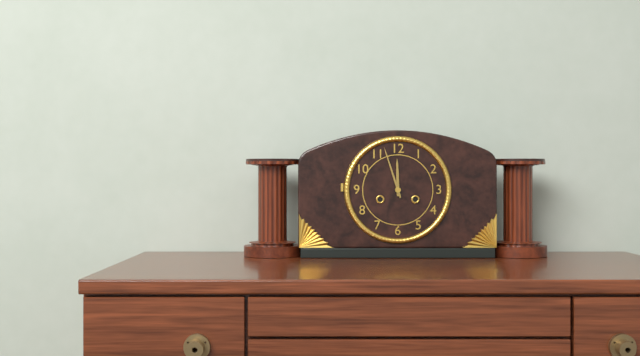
11:57
